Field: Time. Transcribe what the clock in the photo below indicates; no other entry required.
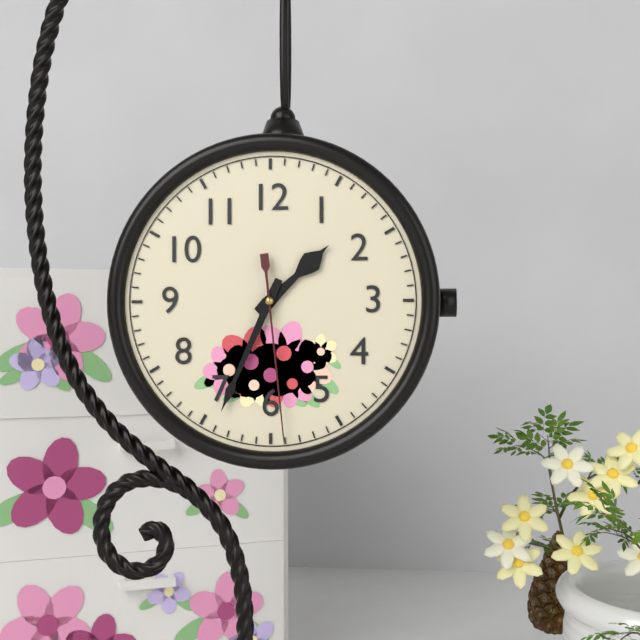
1:34:29
